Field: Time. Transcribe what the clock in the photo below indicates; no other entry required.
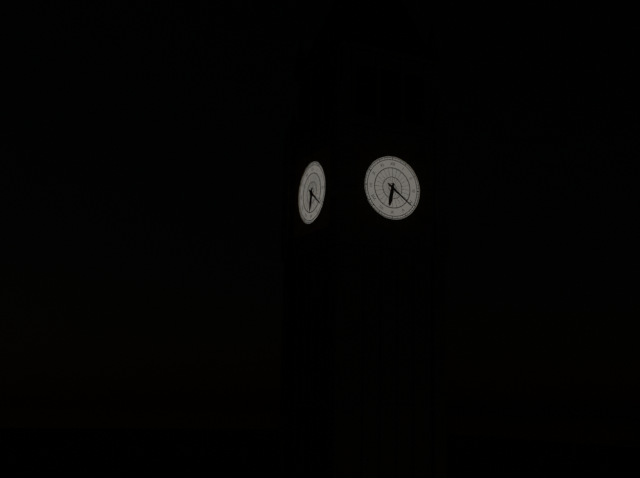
6:21
